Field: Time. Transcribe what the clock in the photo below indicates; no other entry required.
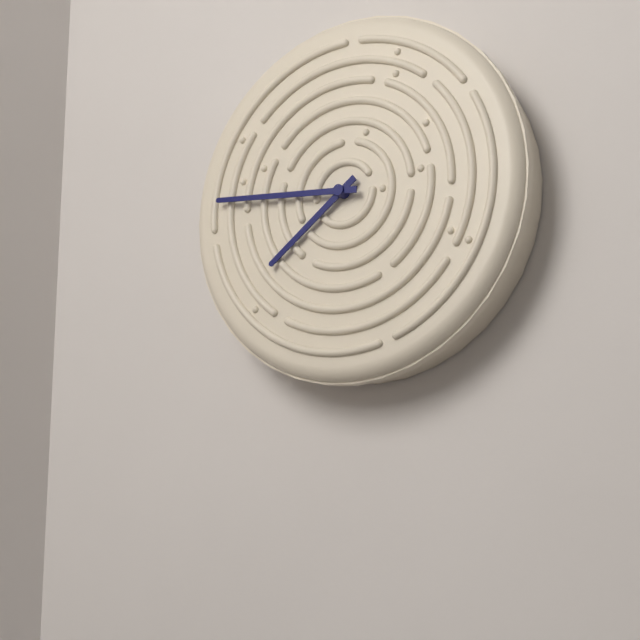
7:46
